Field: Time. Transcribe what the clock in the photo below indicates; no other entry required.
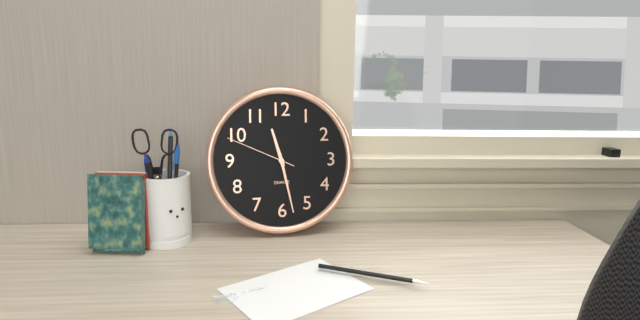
11:28:49
